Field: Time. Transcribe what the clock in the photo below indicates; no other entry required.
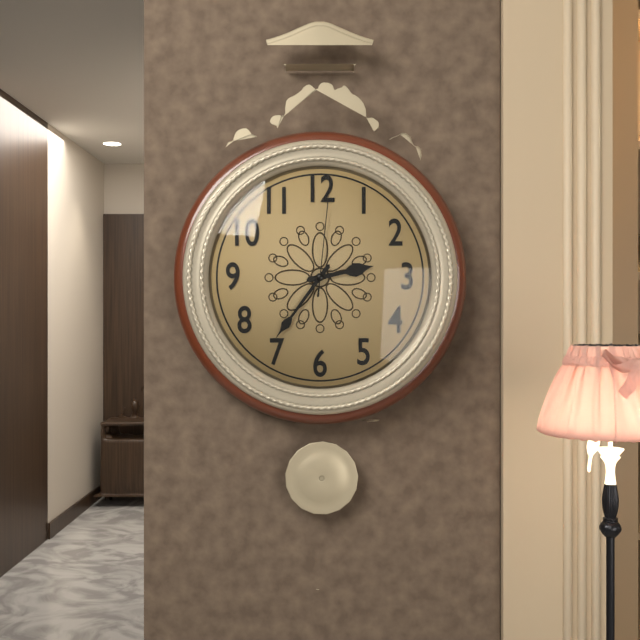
2:36:01
